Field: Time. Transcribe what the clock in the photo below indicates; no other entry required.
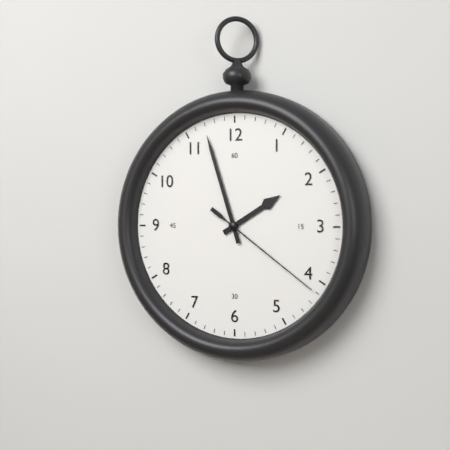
1:57:21
